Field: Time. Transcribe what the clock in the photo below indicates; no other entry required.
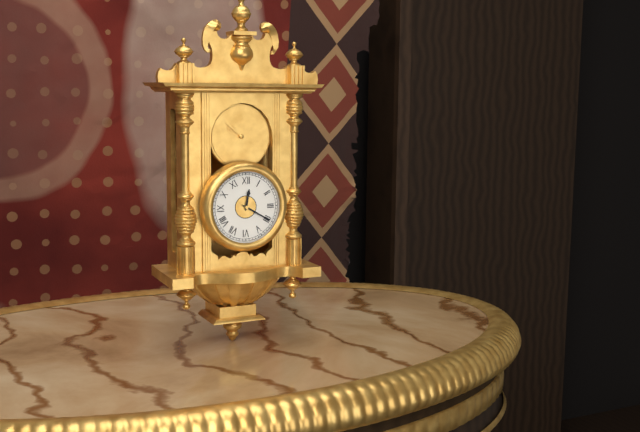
12:20
